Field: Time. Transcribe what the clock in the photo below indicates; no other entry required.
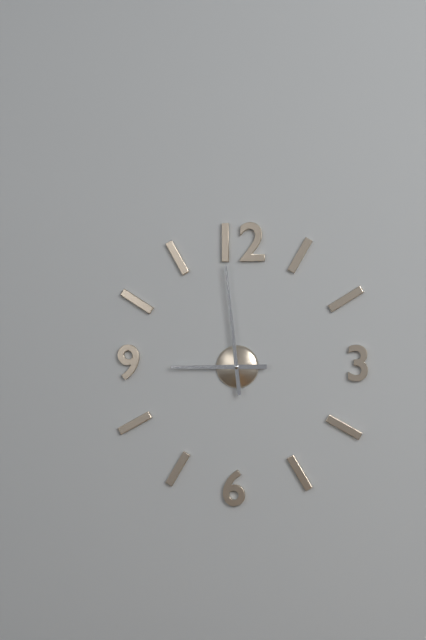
8:59
